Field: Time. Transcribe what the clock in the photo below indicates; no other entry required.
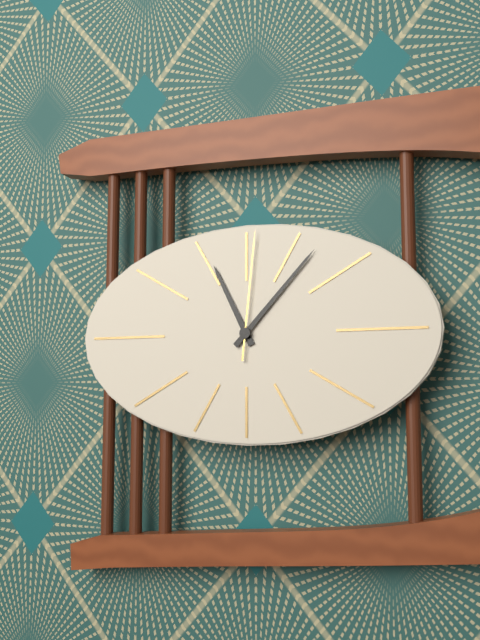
11:07:01
